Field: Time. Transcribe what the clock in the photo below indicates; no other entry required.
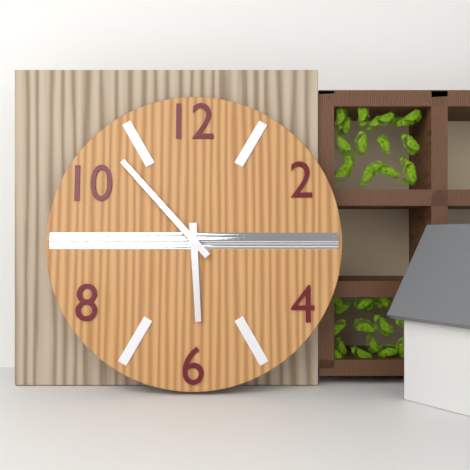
5:53
